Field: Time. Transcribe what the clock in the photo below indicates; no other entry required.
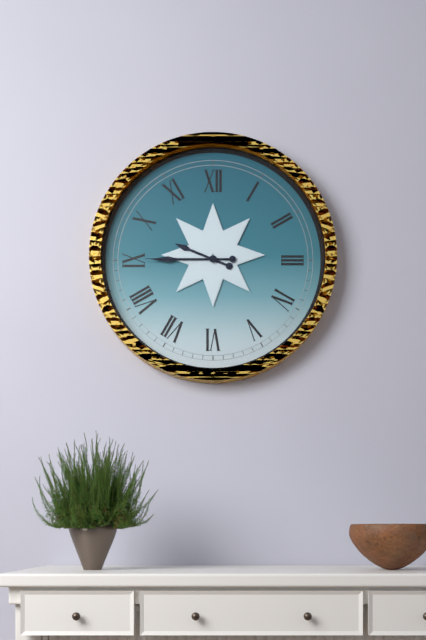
9:45:45
